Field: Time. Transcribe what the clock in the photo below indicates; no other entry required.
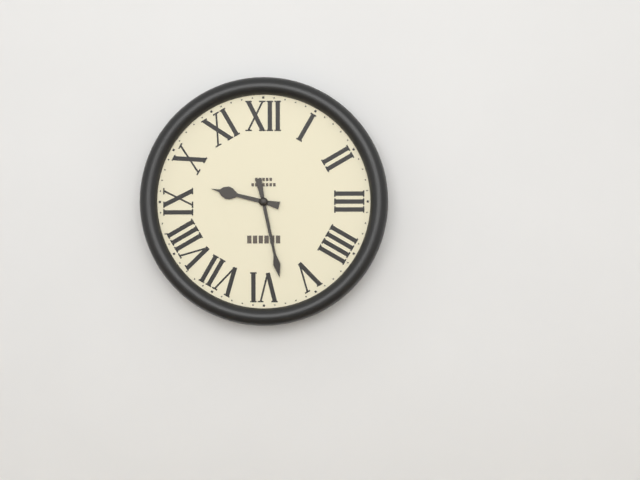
9:28
